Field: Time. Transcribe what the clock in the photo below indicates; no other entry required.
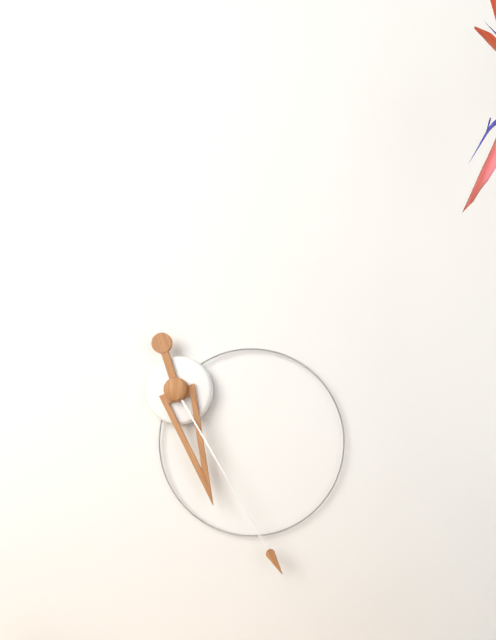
5:25
